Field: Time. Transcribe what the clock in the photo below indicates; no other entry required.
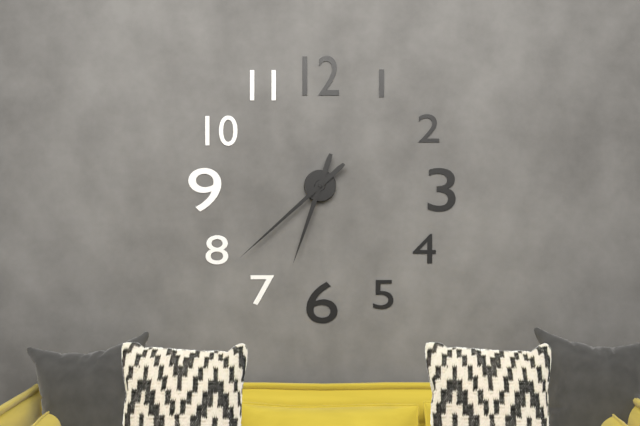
6:38
